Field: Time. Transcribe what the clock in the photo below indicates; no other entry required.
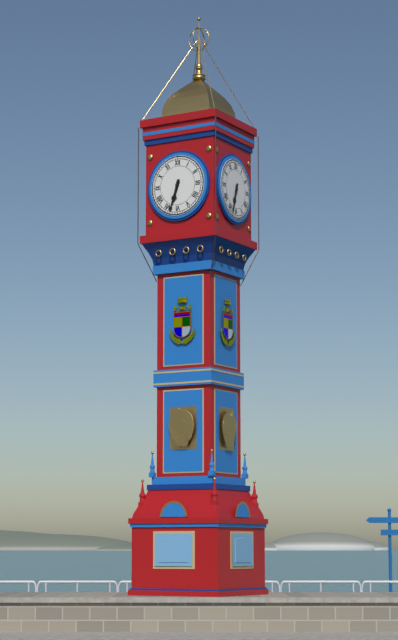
6:33
